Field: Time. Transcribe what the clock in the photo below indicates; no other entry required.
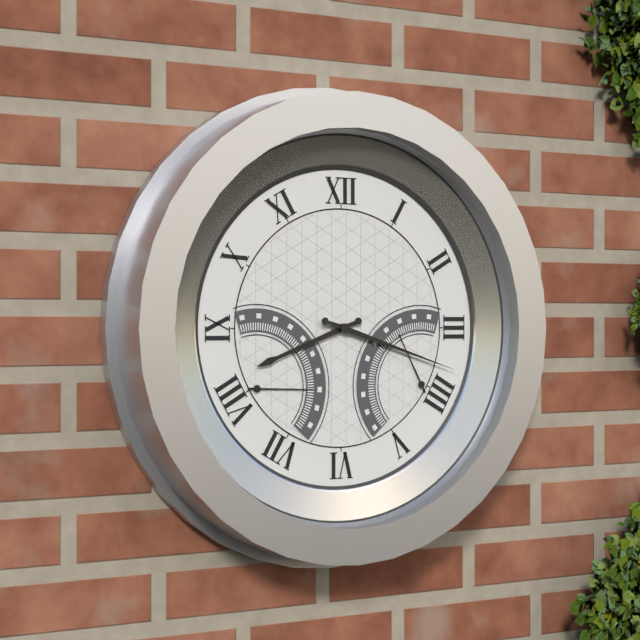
8:18
